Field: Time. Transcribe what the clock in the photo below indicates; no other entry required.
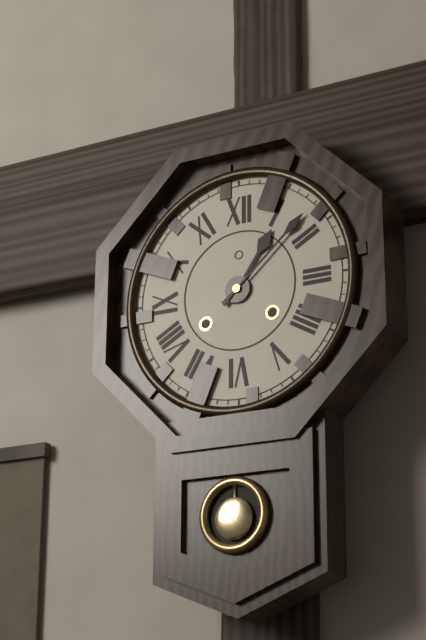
1:08
